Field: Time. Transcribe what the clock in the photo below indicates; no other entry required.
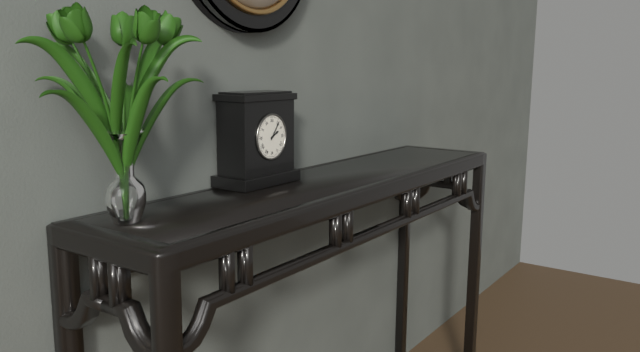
2:06
